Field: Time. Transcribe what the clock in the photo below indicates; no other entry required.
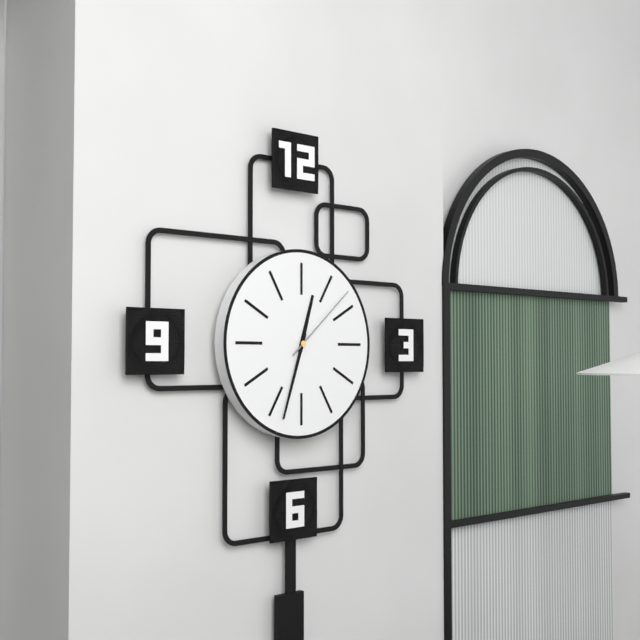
12:33:08
